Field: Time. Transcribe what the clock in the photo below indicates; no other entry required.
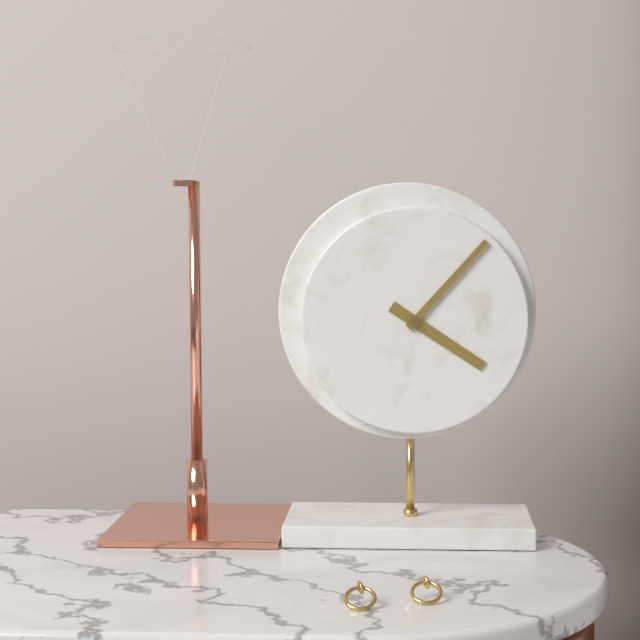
4:07
